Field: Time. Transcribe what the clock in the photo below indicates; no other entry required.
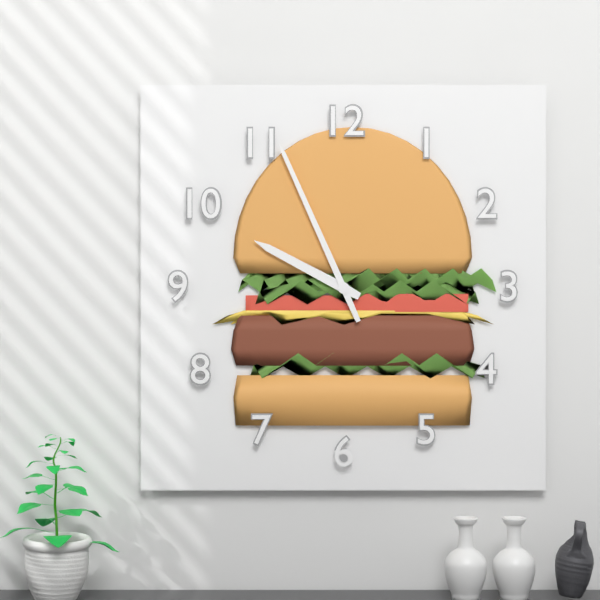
9:56
